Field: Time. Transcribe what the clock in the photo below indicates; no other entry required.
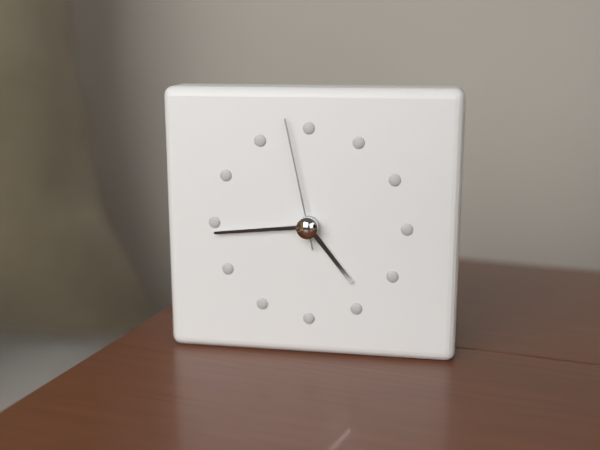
4:44:58
